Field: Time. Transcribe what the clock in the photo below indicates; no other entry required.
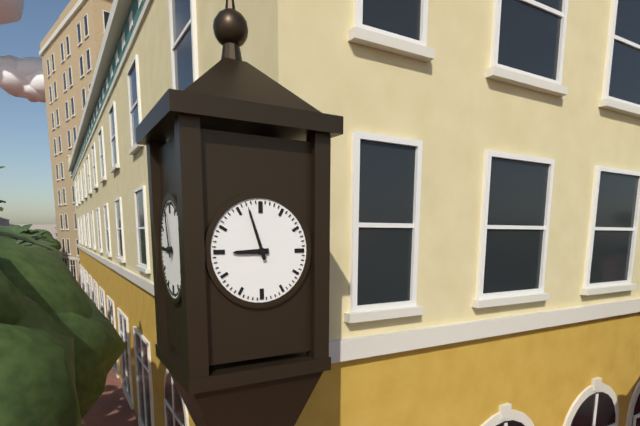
8:57
